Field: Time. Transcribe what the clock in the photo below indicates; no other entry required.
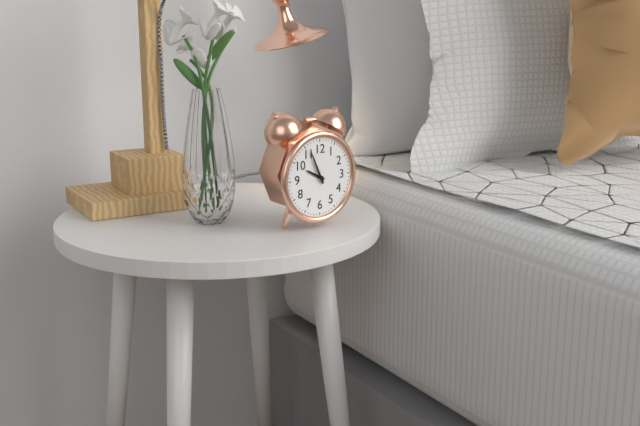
9:56
